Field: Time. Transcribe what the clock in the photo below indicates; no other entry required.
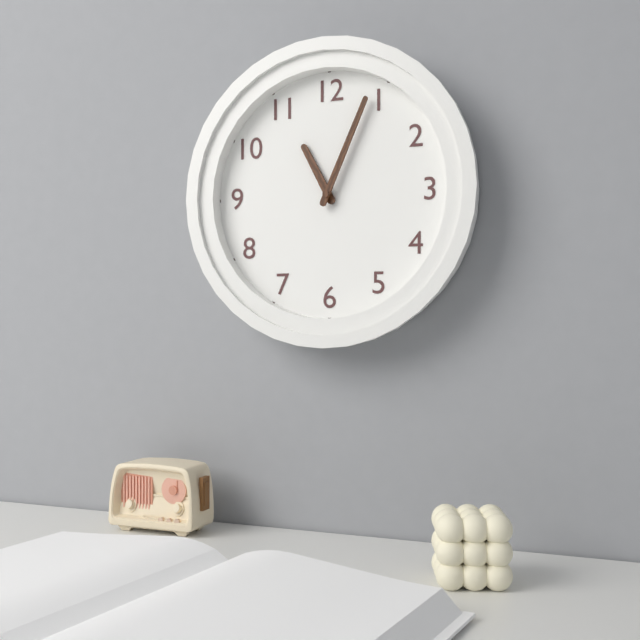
11:04
